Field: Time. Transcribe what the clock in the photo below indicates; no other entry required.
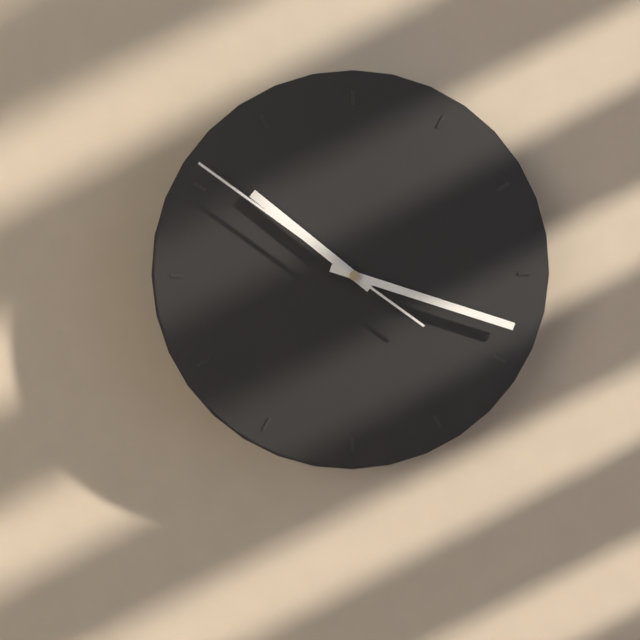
10:18:51
